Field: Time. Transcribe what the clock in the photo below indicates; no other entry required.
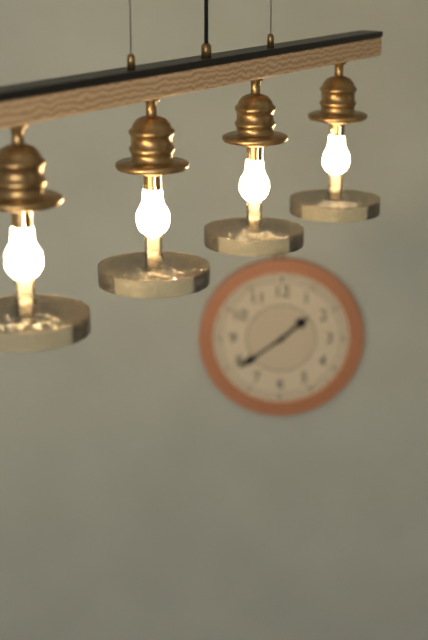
1:39
